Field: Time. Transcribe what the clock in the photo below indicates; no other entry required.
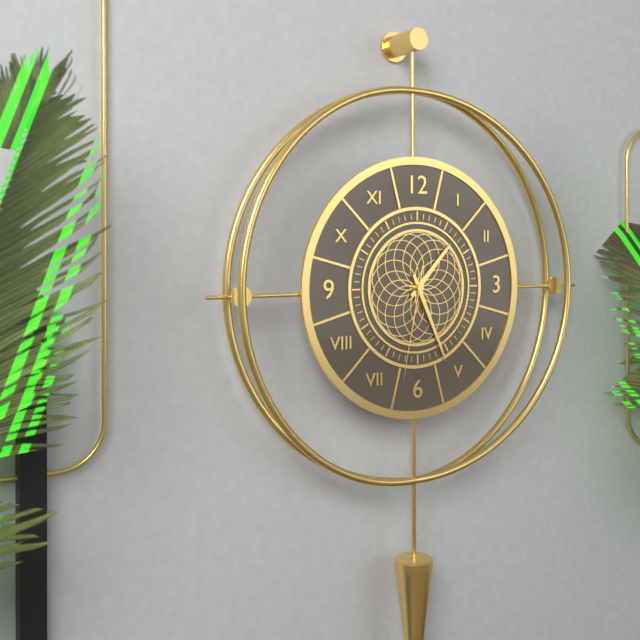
1:26:32
